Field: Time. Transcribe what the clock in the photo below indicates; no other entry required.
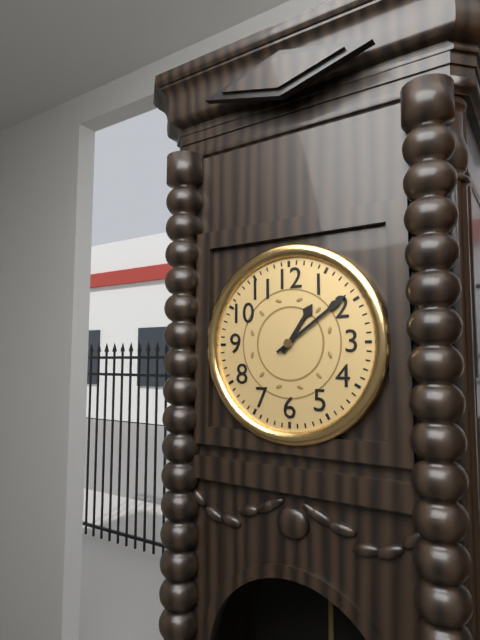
1:09
